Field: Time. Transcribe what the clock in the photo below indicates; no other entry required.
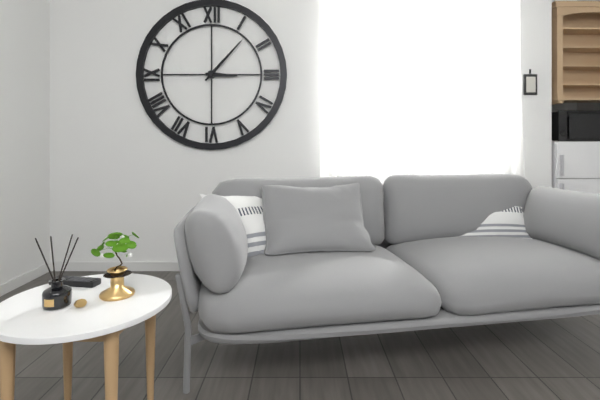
3:07
